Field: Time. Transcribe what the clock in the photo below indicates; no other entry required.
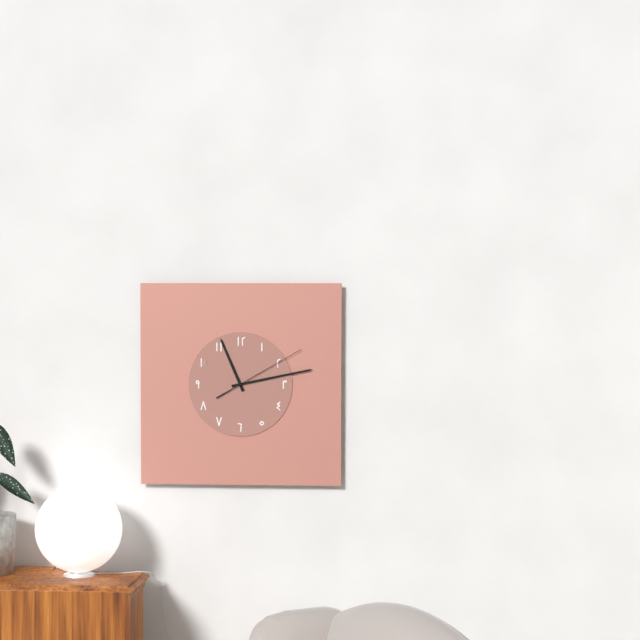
11:13:10
